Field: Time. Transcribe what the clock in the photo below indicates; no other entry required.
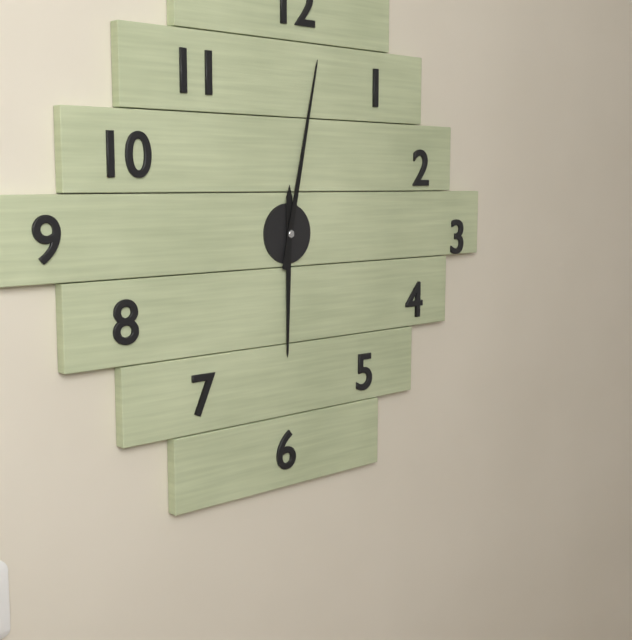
6:02
